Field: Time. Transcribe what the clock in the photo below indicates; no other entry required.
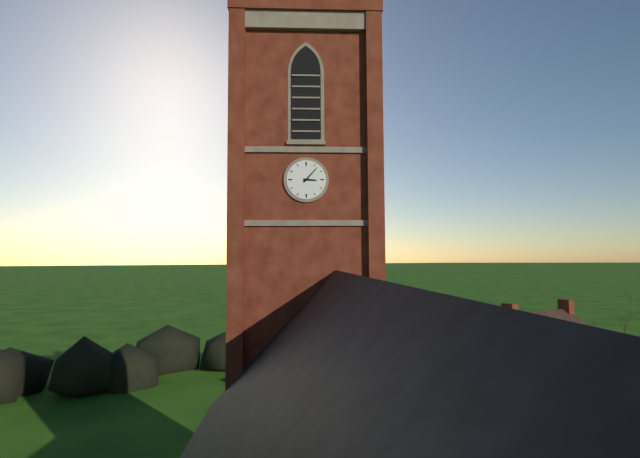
3:07
